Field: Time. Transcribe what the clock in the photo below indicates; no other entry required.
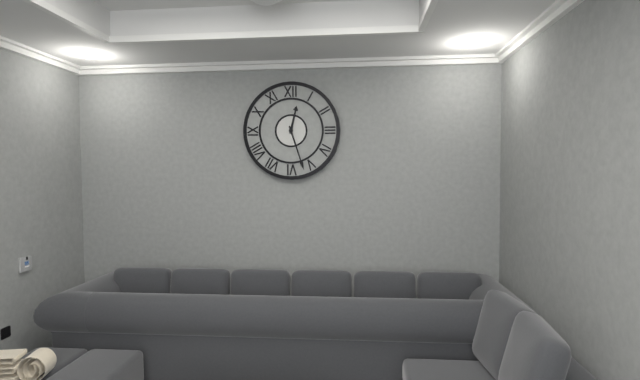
12:27
